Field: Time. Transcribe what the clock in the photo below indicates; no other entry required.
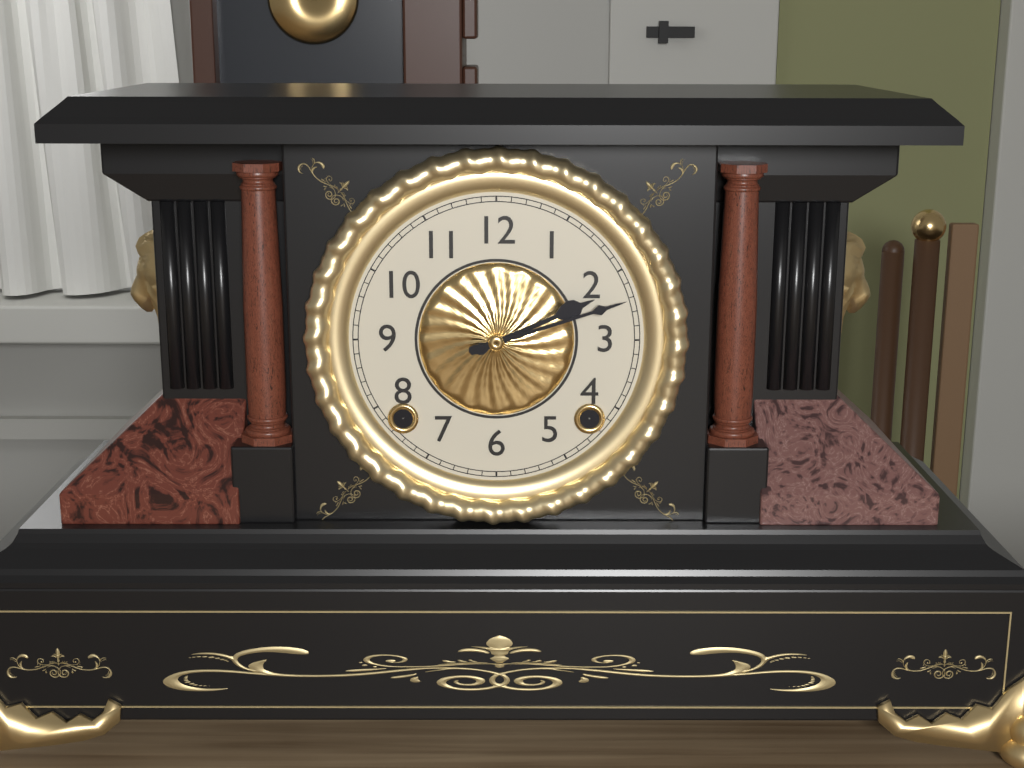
2:12
